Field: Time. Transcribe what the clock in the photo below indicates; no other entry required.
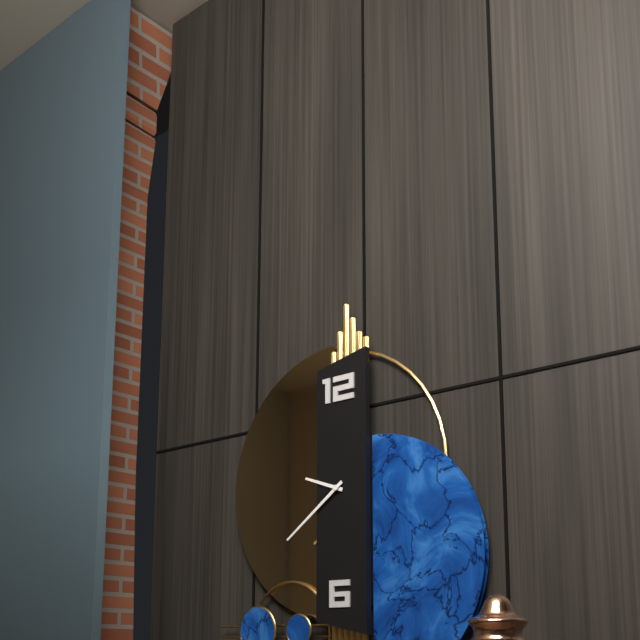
9:39
